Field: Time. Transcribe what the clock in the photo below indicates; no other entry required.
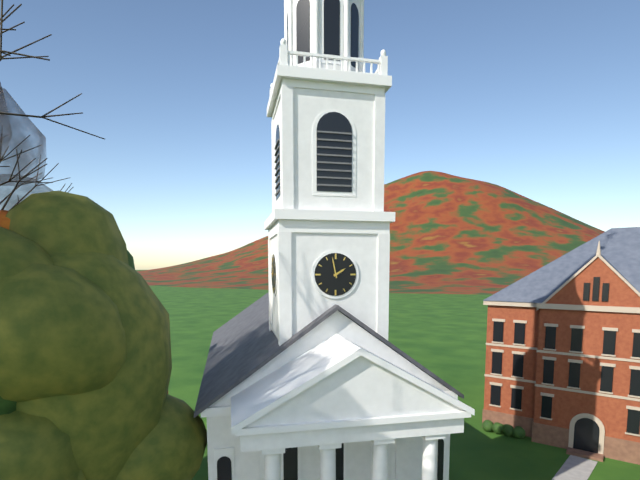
1:58
